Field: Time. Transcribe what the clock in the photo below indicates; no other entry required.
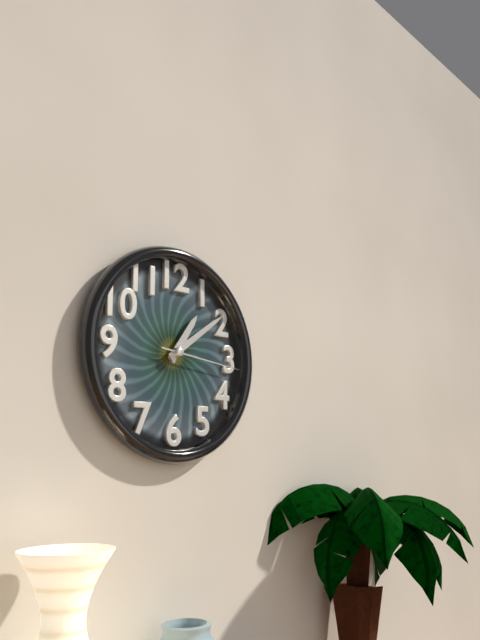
1:09:16
